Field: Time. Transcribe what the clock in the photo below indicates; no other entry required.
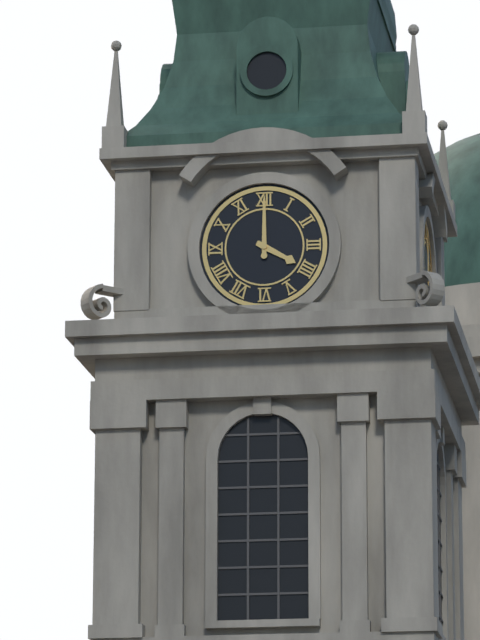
4:00
